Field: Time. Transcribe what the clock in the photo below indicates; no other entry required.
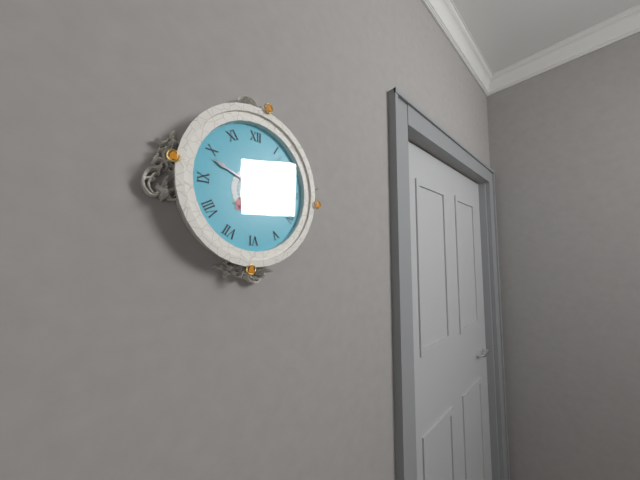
11:49:06
